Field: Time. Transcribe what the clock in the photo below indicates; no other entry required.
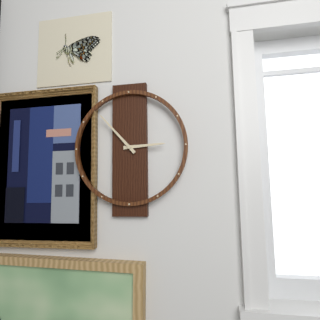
2:53
